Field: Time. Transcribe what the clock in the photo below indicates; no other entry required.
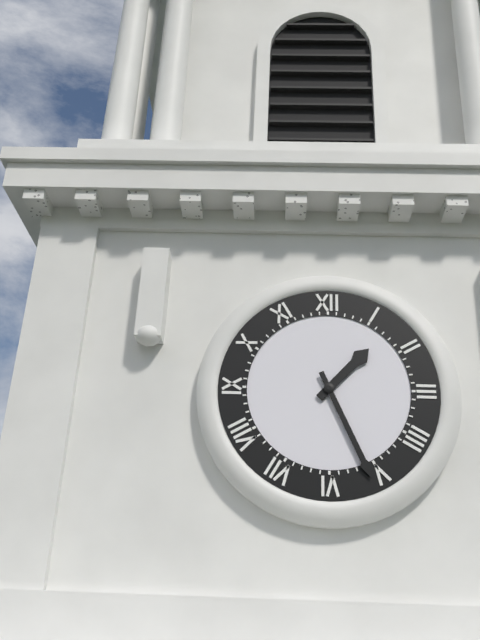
1:26
